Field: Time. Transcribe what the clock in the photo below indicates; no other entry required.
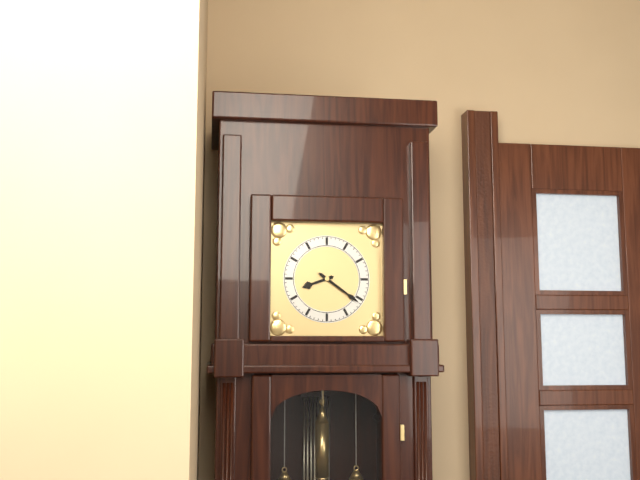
8:21
